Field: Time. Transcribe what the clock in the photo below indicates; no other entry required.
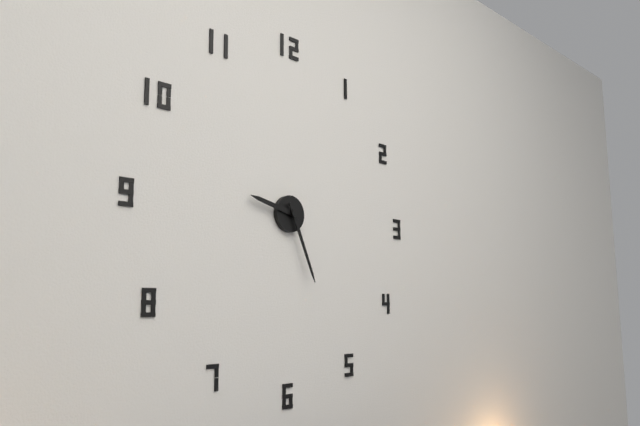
9:26
